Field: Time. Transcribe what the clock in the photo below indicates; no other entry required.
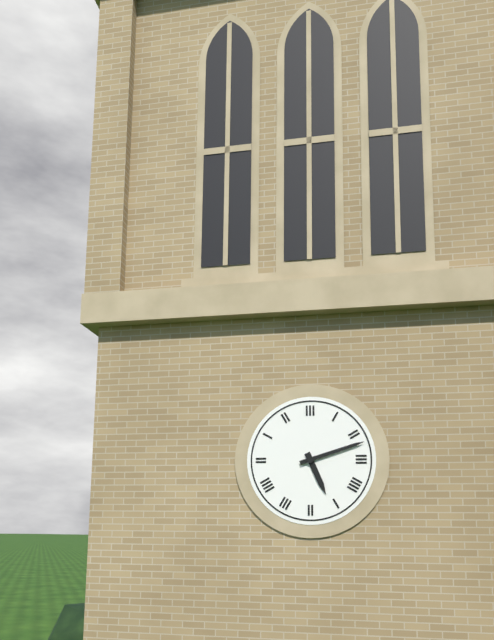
5:12
